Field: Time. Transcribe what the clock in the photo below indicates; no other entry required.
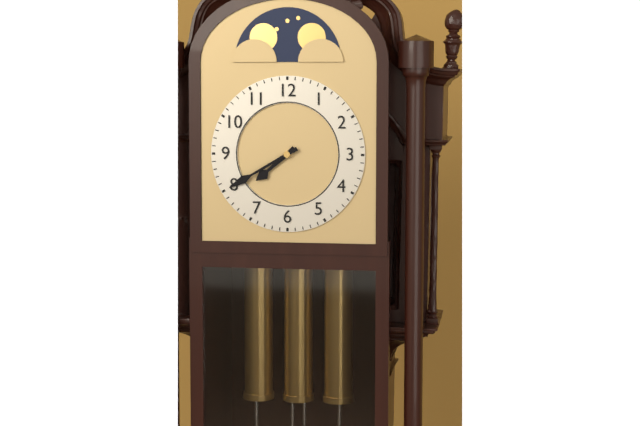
7:40
